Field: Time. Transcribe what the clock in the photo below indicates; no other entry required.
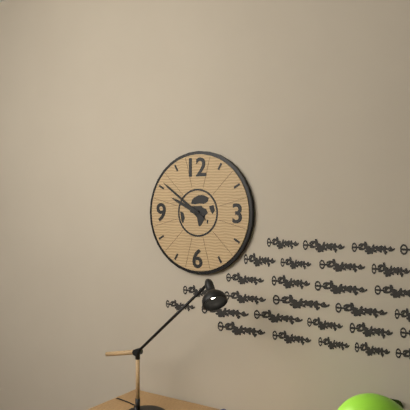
9:51
